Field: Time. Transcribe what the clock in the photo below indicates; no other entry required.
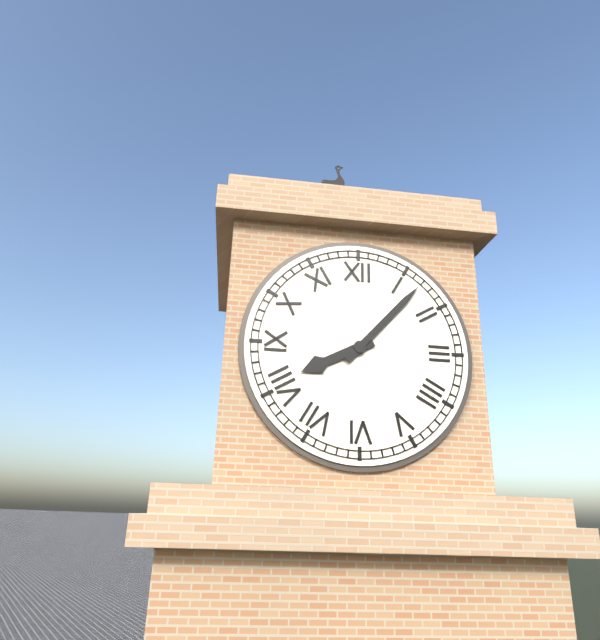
8:07
